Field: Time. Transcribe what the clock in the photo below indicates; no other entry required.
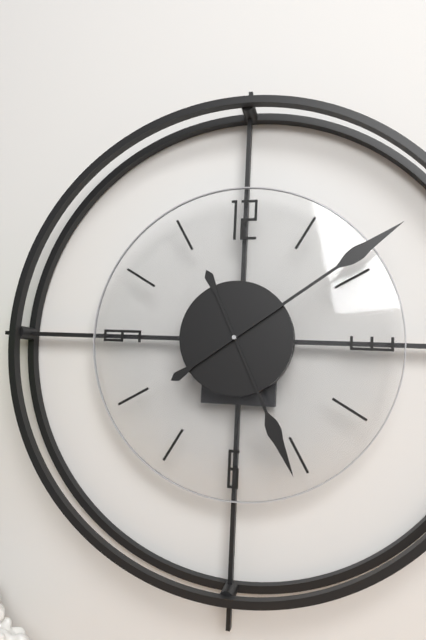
5:09
